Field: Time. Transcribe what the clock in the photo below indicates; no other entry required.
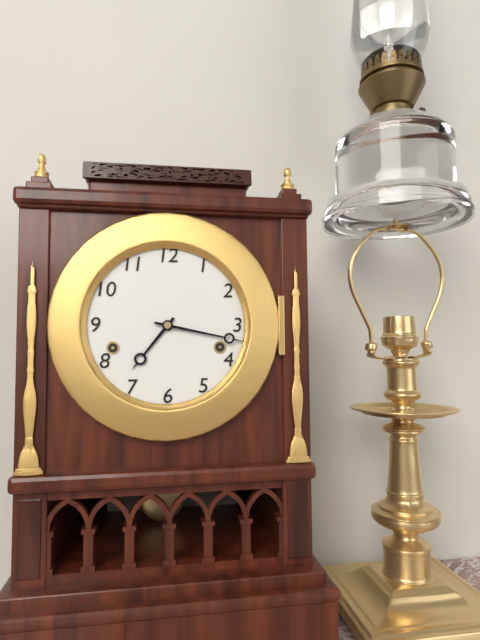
7:17
